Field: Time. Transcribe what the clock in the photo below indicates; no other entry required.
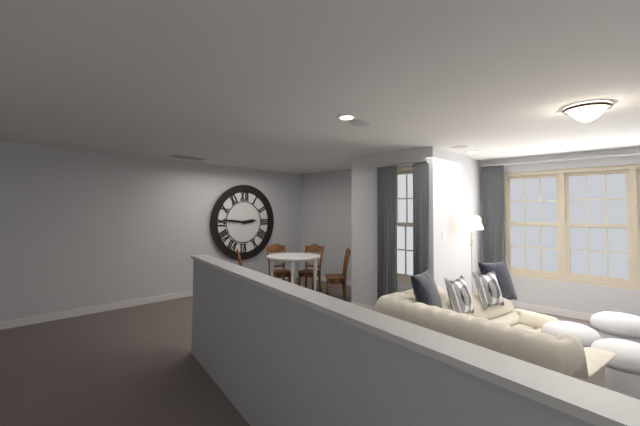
2:46
